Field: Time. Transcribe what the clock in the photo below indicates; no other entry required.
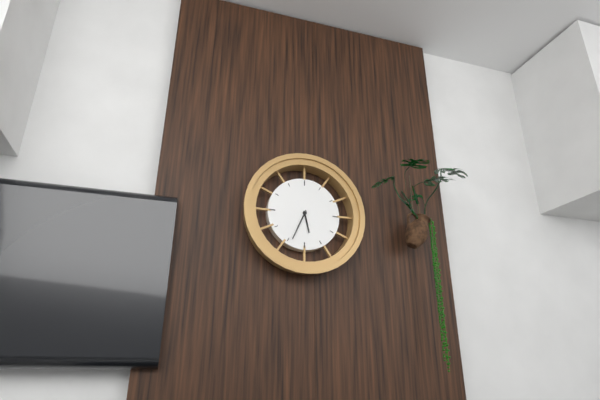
5:34
